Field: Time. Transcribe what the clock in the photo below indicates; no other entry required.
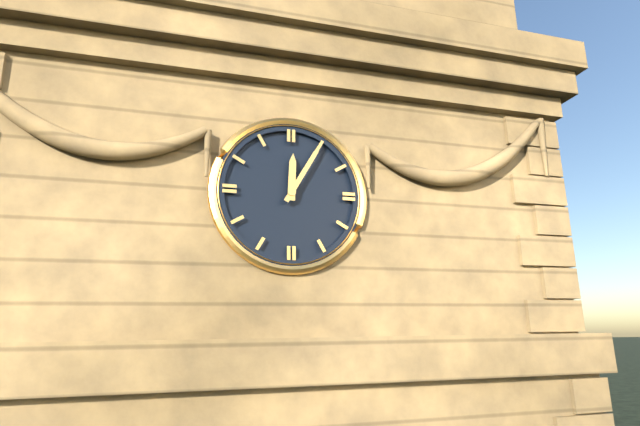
12:05
